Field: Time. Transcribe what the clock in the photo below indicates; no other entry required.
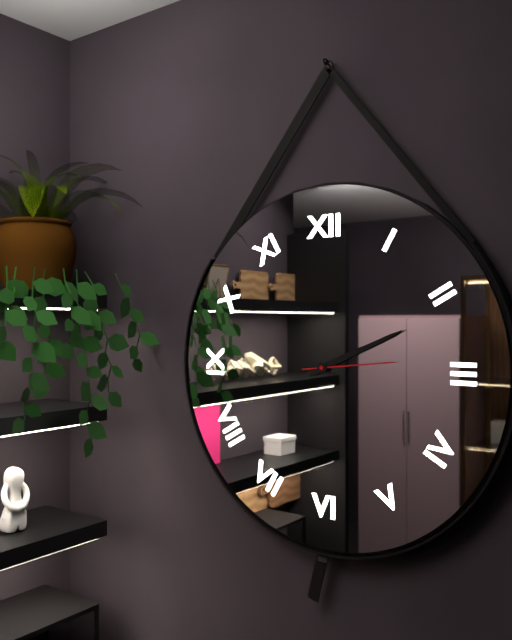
2:11:14
